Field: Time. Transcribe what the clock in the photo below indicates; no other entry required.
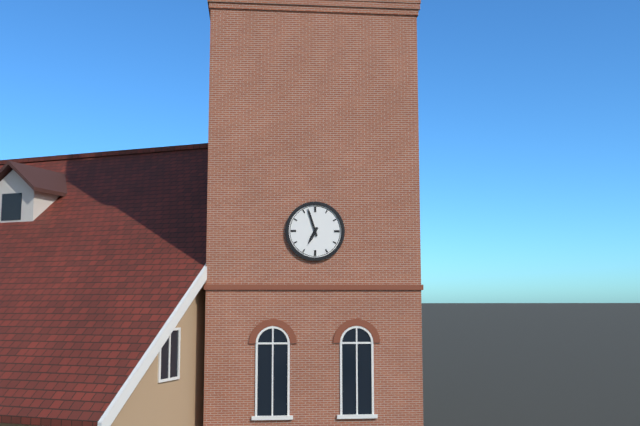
6:57
